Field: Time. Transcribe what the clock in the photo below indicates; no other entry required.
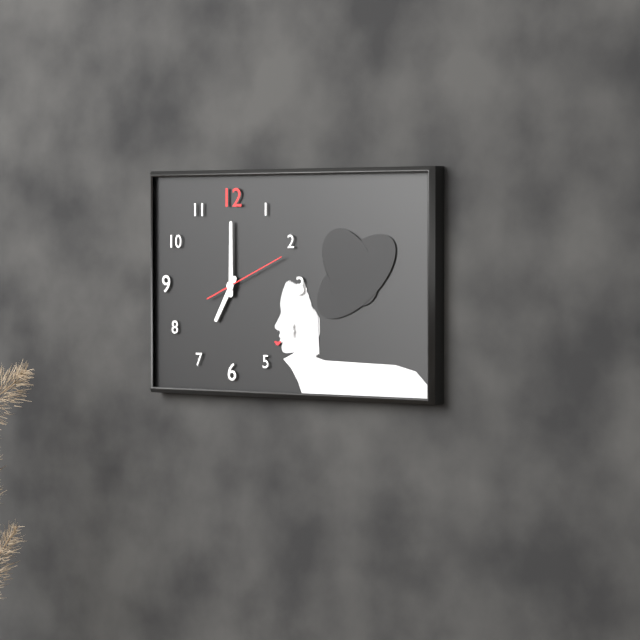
7:00:11
